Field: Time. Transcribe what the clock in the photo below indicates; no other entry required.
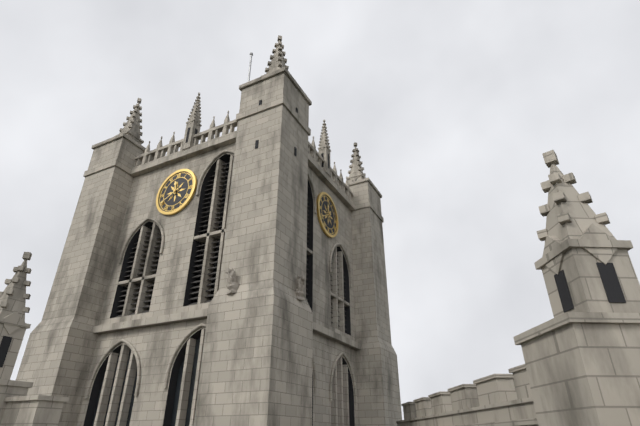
11:40
